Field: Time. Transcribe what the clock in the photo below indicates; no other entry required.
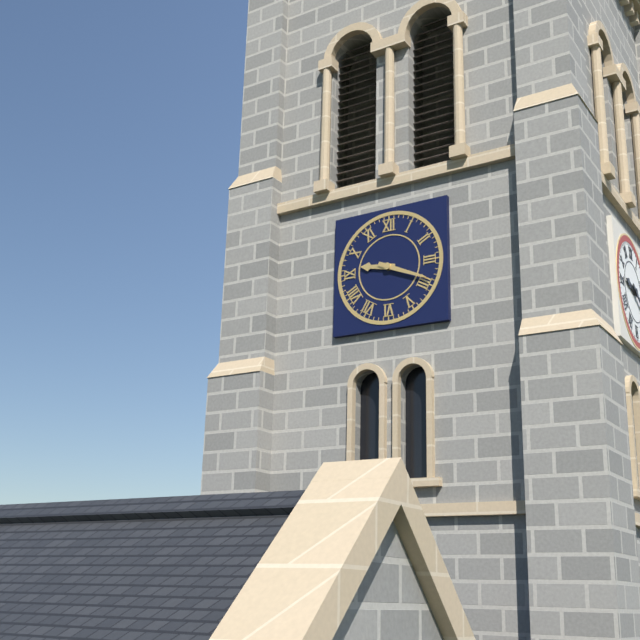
9:19
